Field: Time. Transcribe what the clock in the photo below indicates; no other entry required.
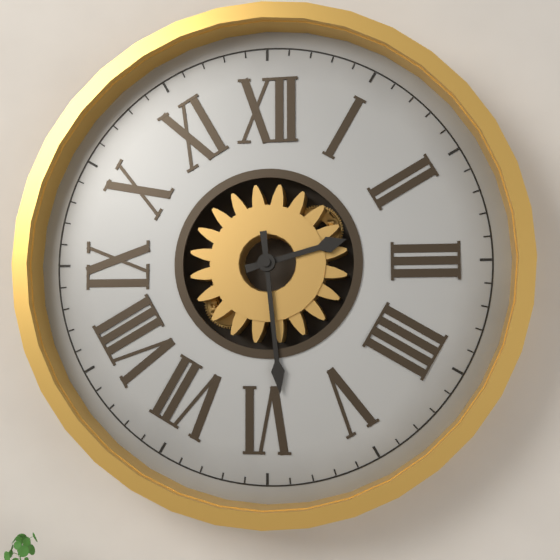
2:29
